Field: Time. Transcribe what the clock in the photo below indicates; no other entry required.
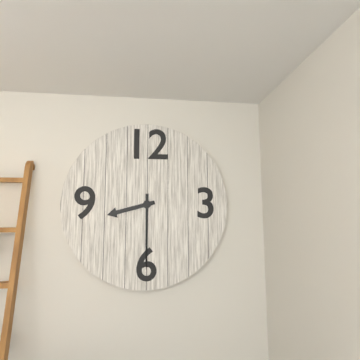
8:30
